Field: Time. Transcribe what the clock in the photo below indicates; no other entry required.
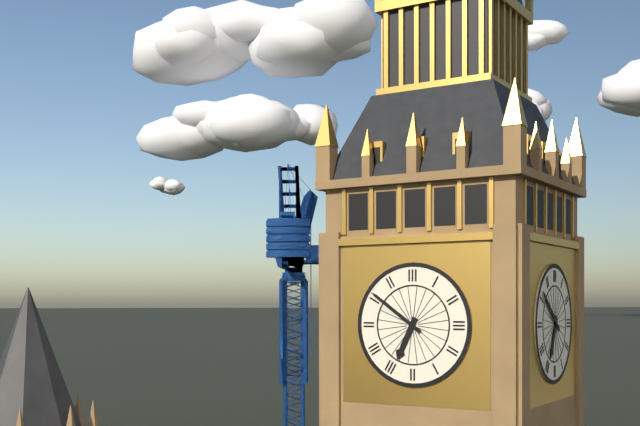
6:51
